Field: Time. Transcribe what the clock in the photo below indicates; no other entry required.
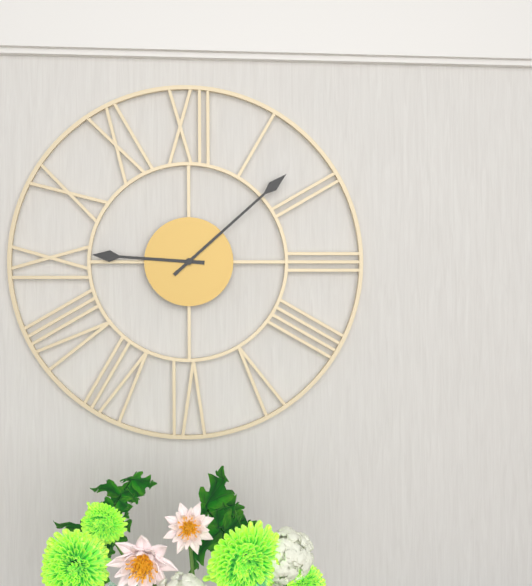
9:08
